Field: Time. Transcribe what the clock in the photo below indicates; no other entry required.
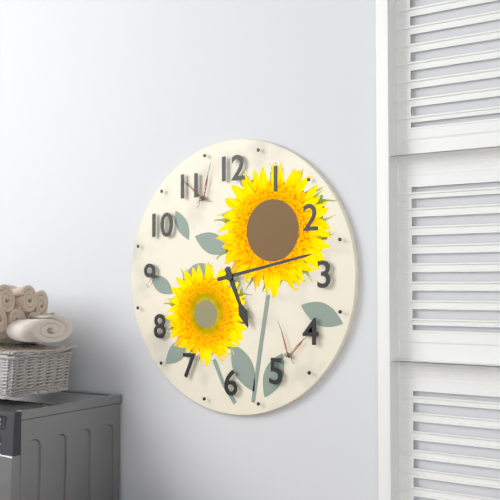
5:13
